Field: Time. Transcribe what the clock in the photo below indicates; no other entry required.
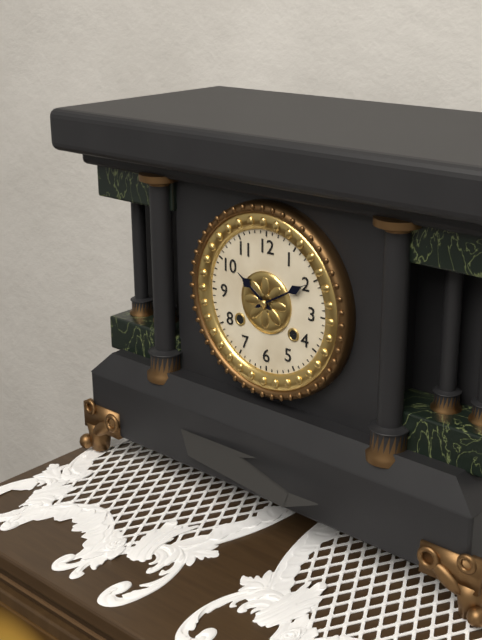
10:10
